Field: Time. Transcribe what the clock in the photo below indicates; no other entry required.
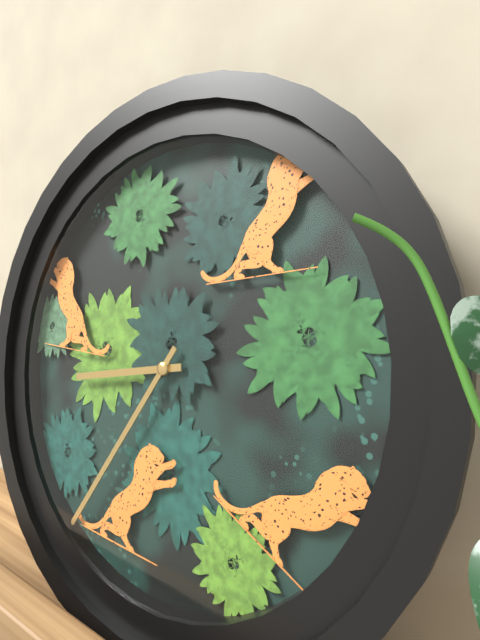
8:35
